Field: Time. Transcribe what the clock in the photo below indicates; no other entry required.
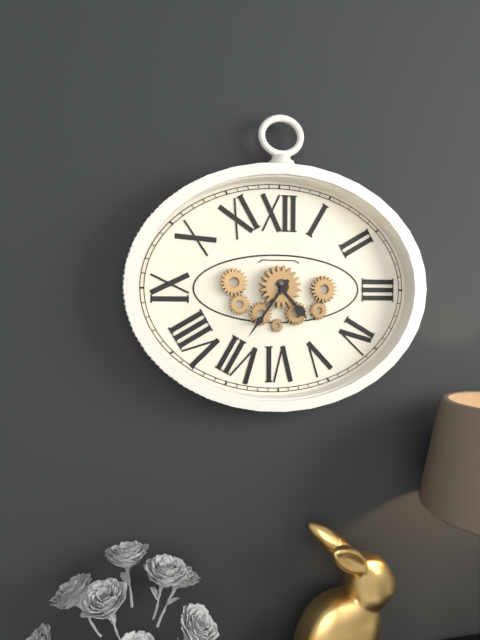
4:36
